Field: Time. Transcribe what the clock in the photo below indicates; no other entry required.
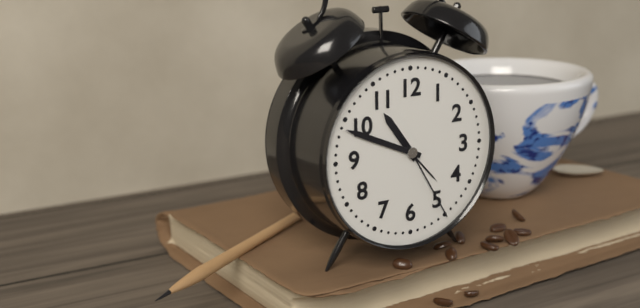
10:49:25
